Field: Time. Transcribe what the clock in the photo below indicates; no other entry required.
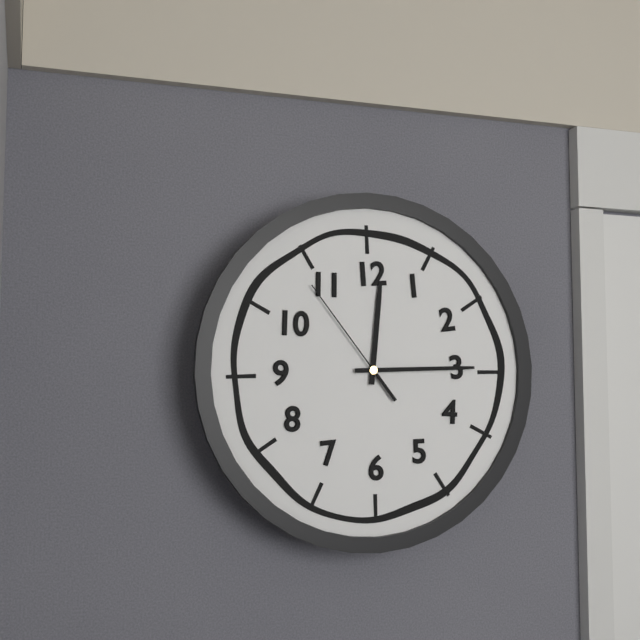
12:15:54
